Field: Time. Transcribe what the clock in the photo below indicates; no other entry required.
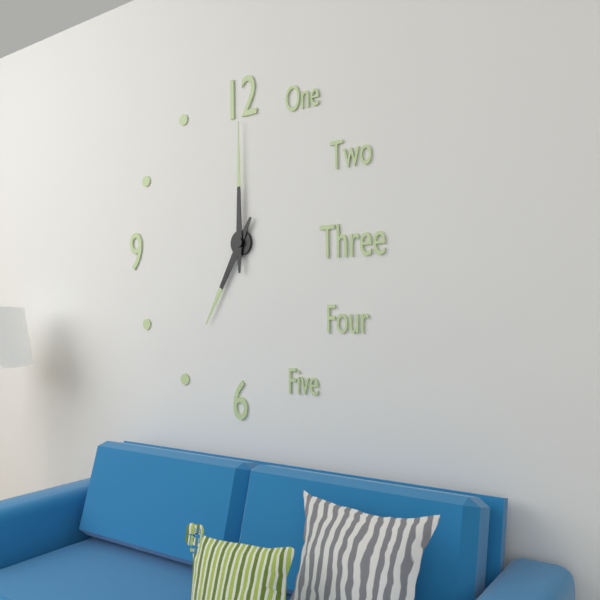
7:00
